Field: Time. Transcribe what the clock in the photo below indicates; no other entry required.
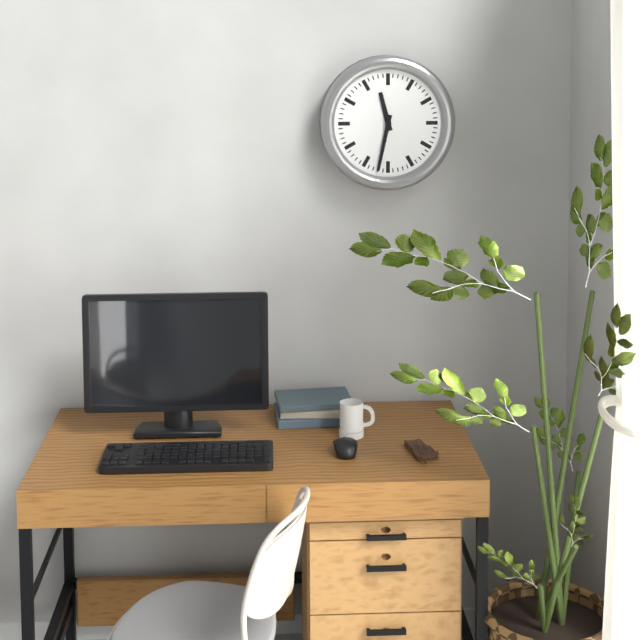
11:32
